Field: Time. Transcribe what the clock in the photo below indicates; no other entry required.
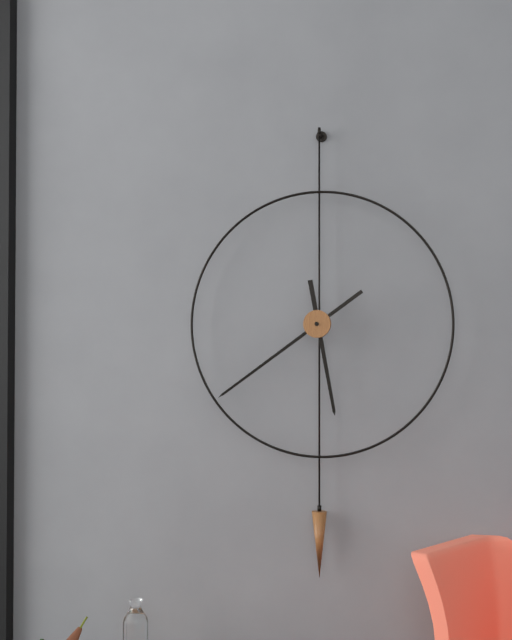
5:39
